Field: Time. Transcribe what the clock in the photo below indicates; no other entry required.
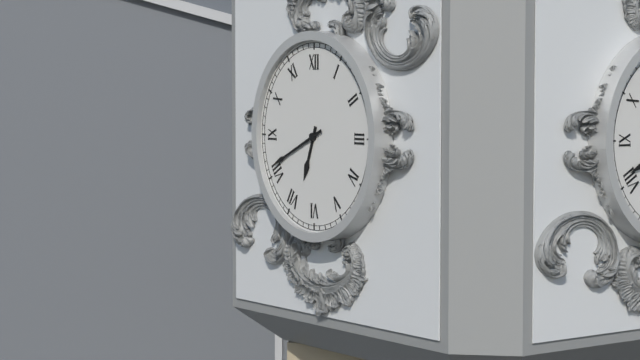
6:41
